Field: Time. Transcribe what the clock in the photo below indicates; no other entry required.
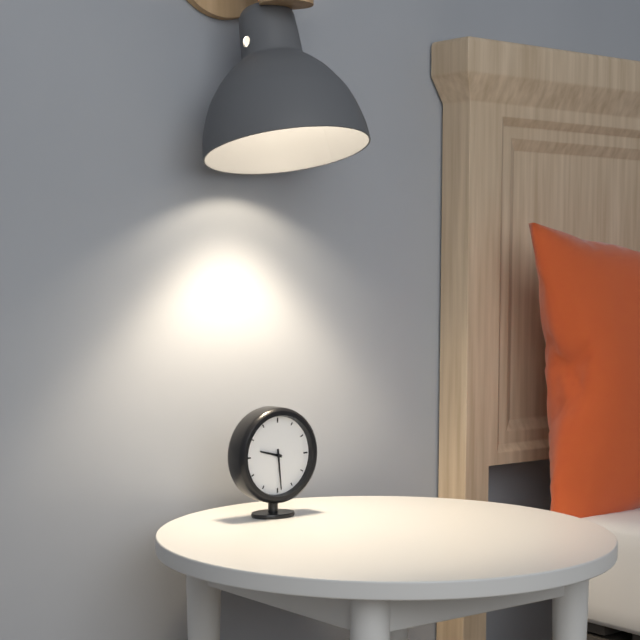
9:29
